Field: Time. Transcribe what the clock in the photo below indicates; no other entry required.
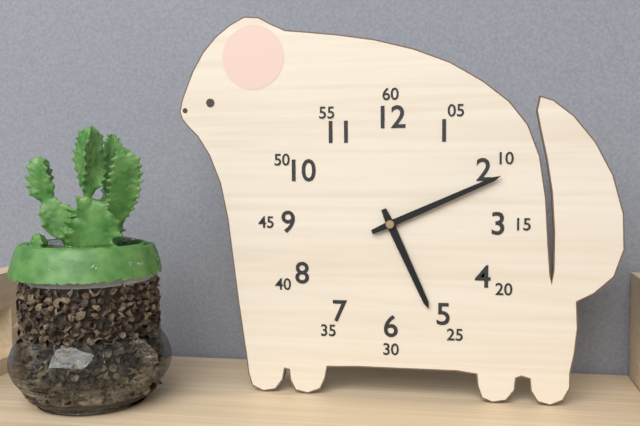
5:11
